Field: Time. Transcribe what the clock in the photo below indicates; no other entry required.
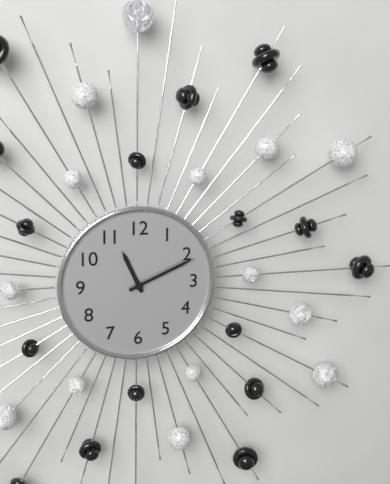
11:11
